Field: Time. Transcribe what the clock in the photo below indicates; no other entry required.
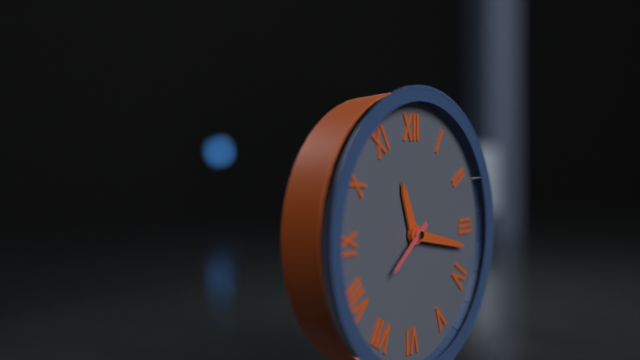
11:17
